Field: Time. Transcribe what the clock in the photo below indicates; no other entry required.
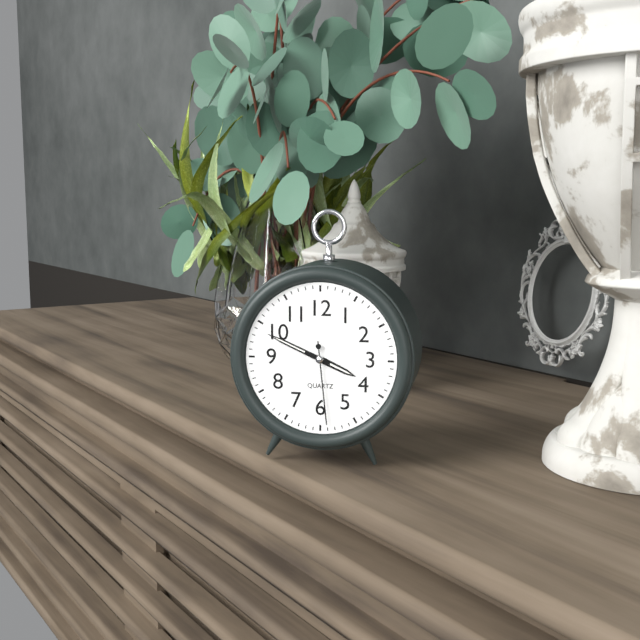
3:49:29
